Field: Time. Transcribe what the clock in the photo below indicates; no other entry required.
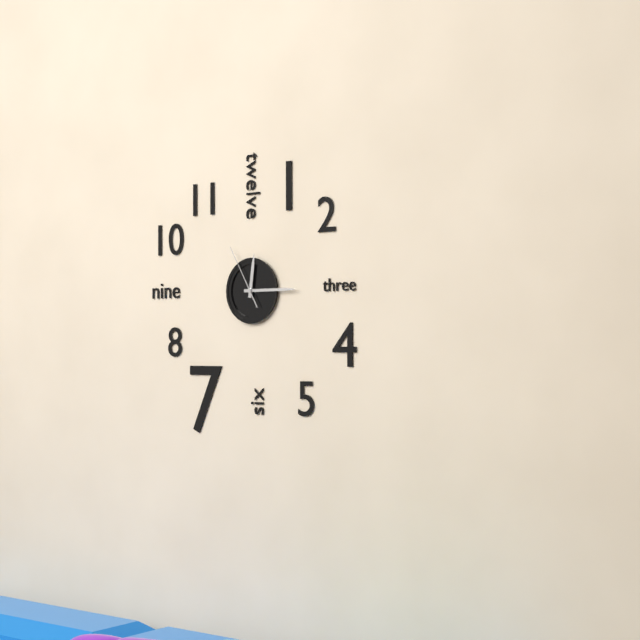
12:15:55
